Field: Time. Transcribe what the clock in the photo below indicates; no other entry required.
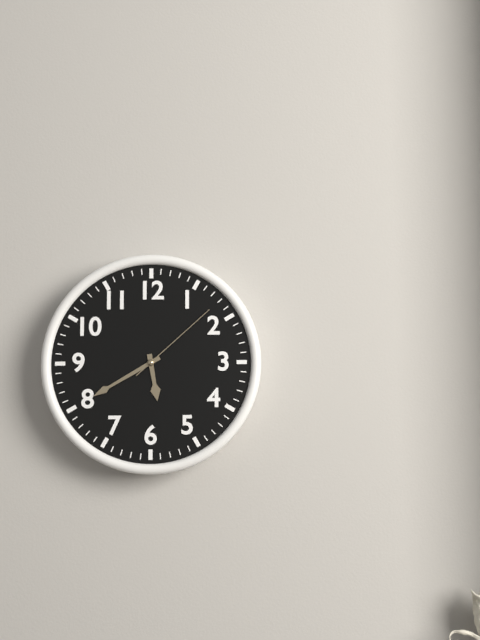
5:40:08
